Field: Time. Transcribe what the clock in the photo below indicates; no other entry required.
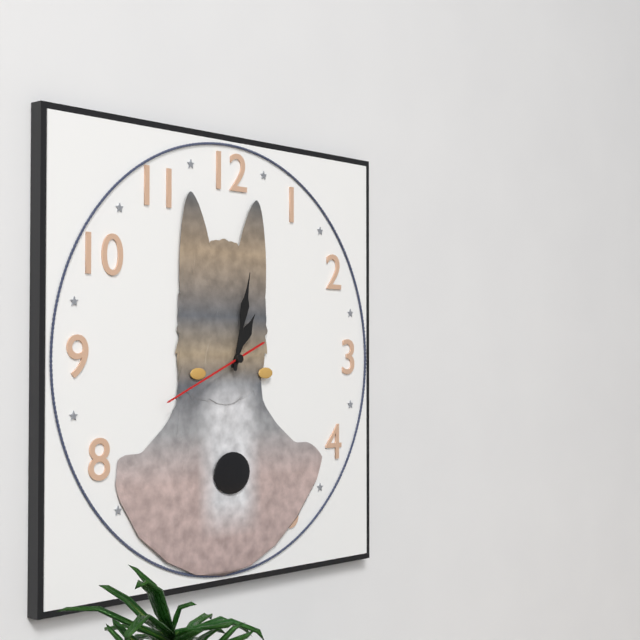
1:02:41
